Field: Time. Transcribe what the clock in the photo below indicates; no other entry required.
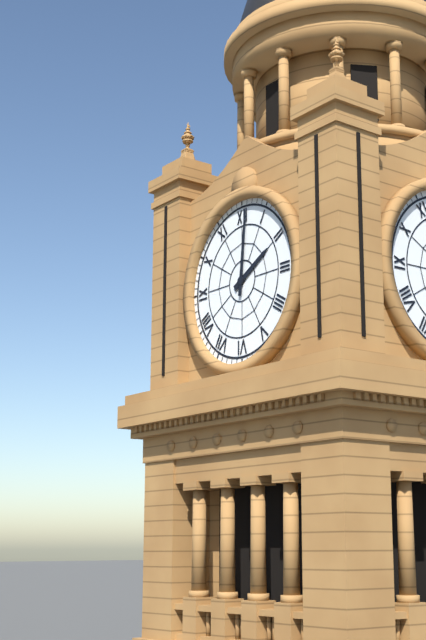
2:01
